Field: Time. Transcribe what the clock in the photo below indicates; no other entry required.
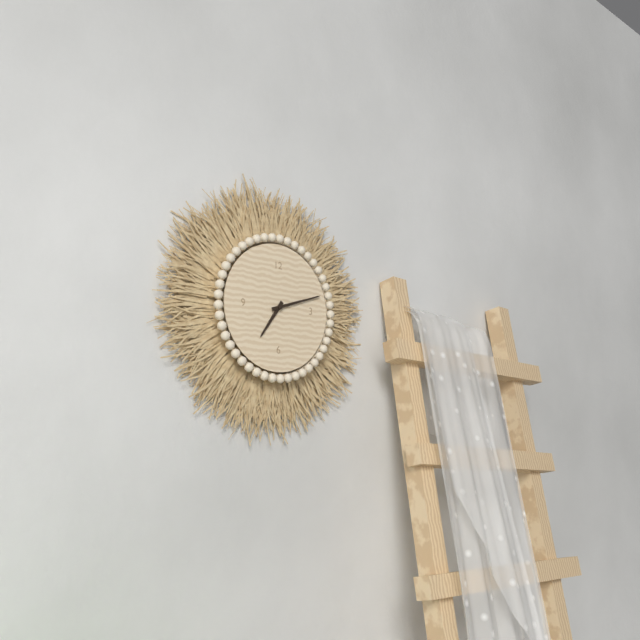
7:12
